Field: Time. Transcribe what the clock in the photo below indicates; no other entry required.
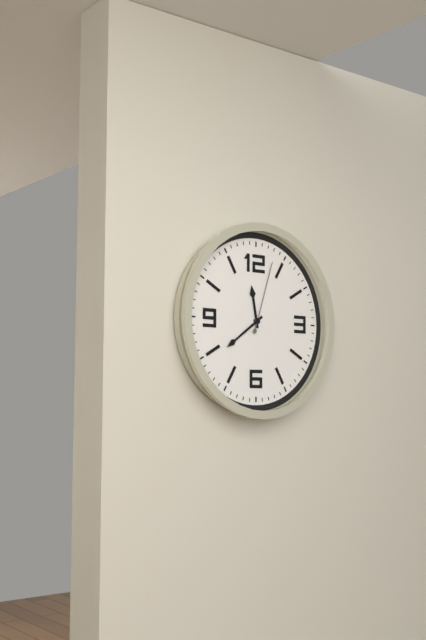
11:39:03
